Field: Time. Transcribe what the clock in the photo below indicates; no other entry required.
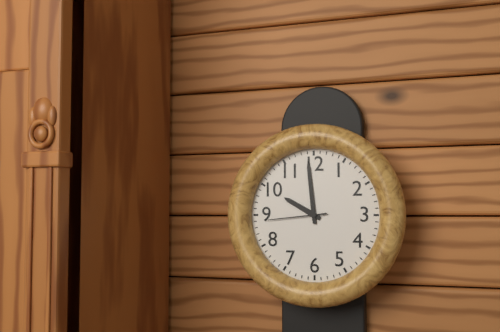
9:59:44
